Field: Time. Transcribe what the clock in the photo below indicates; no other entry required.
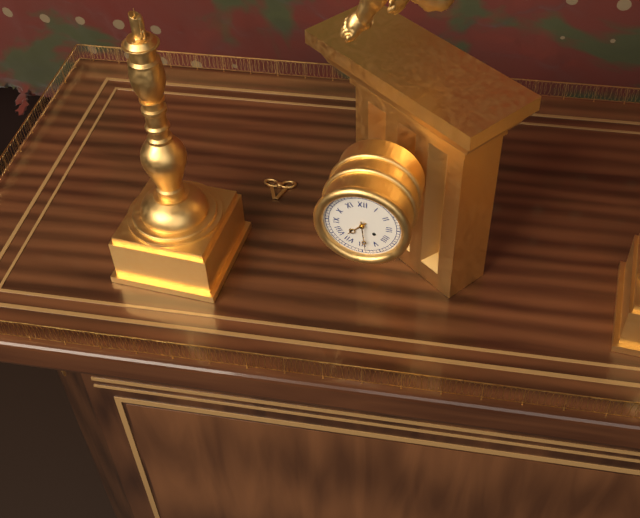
7:29
